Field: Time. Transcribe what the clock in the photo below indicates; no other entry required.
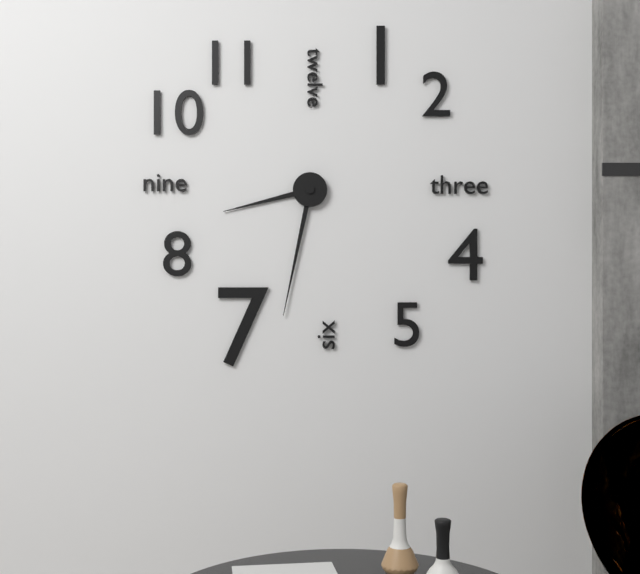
8:32
